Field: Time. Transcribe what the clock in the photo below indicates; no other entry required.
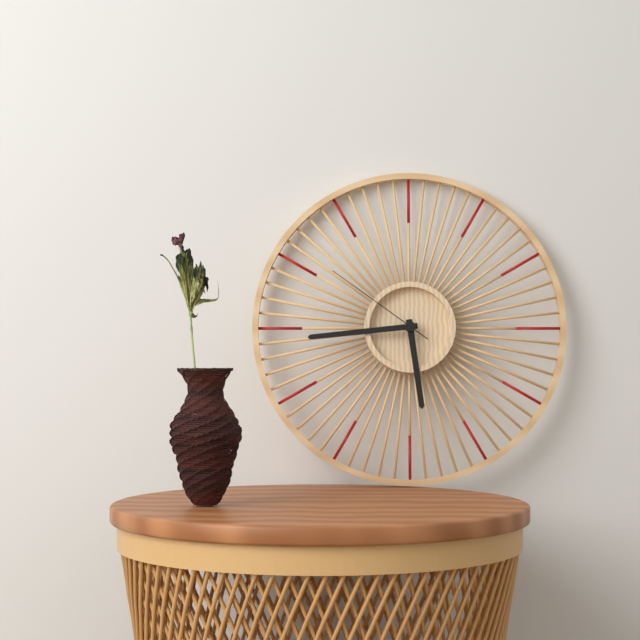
5:44:51
